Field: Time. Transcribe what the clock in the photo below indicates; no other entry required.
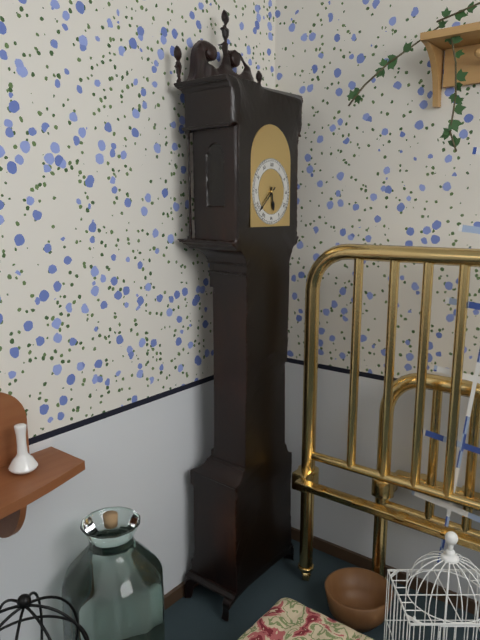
5:38
